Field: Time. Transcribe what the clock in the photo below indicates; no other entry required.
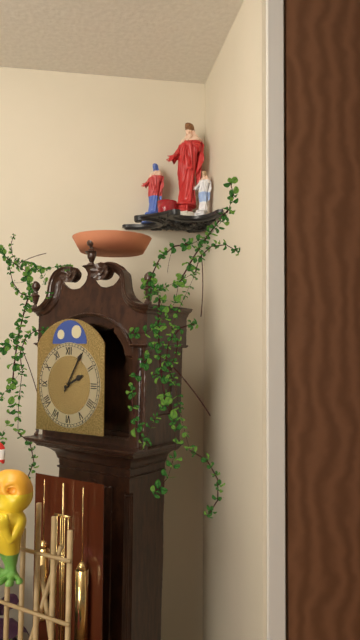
2:05
